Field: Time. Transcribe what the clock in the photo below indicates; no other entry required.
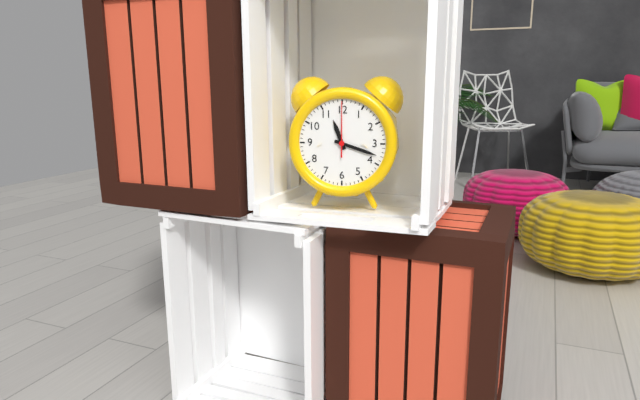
11:18:00
